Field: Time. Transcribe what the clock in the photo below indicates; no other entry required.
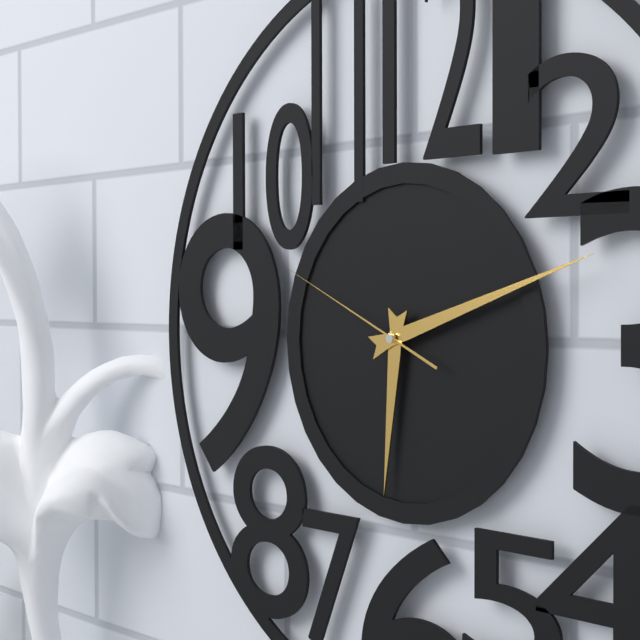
6:12:49
